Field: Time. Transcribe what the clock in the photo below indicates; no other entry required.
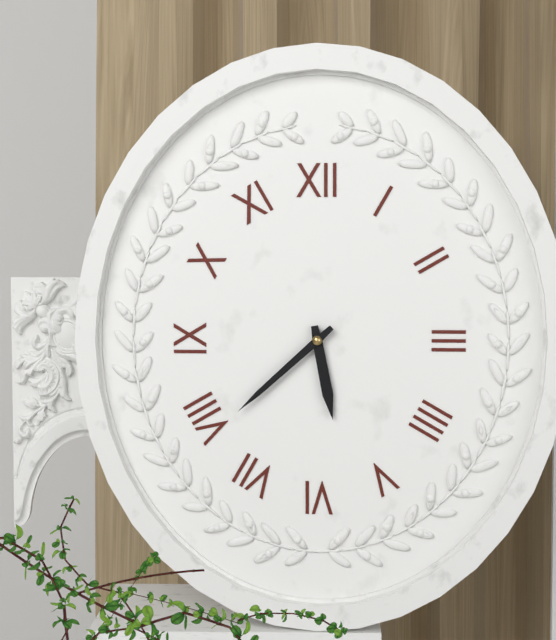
5:38
